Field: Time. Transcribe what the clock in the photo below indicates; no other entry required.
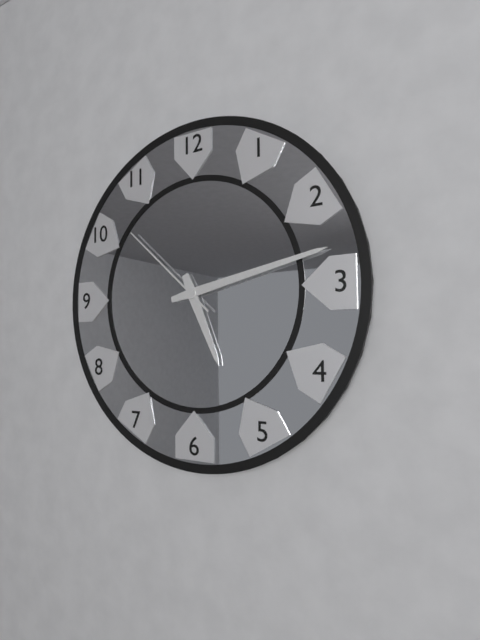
5:13:52
